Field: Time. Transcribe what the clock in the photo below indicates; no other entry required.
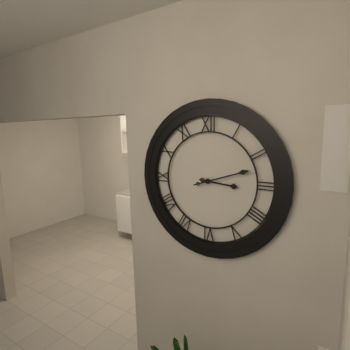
3:12
